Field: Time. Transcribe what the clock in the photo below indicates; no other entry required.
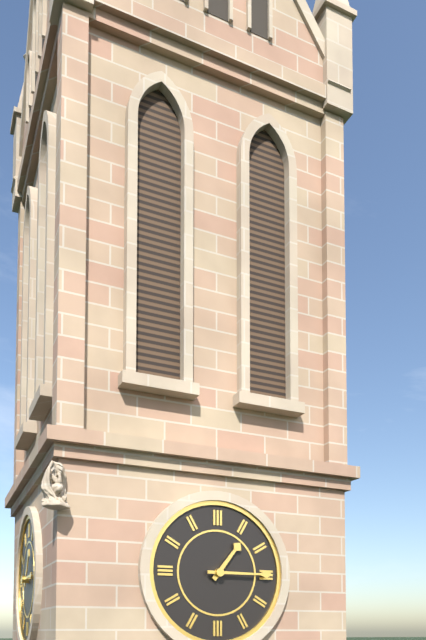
1:15
